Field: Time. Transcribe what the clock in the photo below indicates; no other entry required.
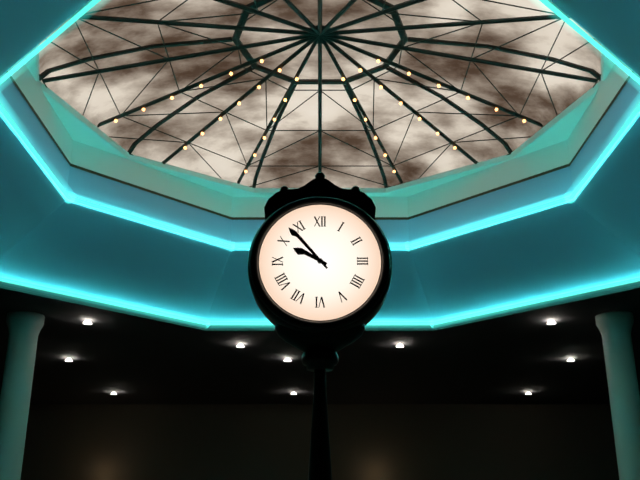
9:53
